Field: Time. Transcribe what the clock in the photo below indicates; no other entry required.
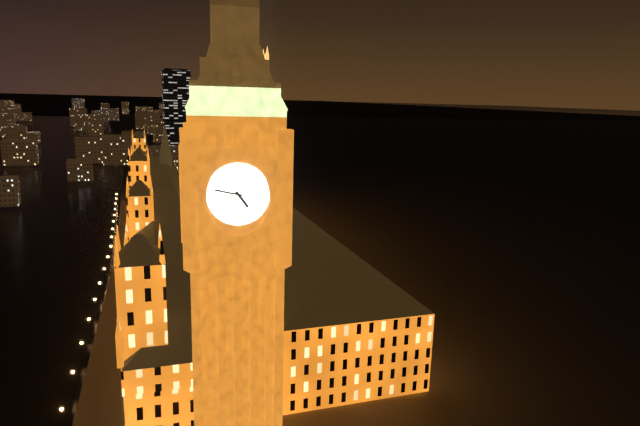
4:47
